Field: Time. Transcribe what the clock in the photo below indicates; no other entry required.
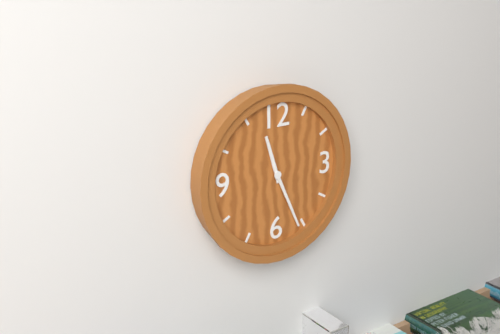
11:26
